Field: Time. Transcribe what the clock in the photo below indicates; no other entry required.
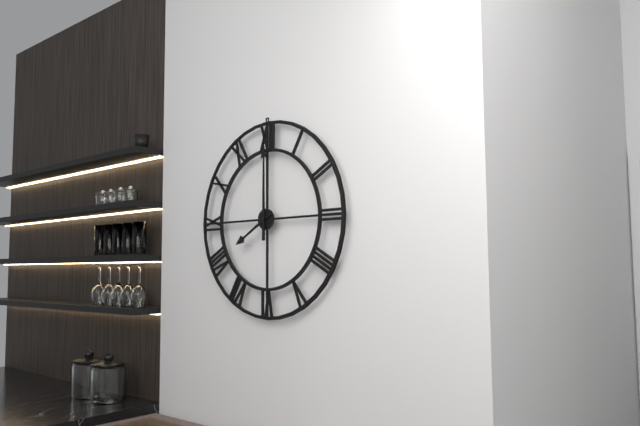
8:00
